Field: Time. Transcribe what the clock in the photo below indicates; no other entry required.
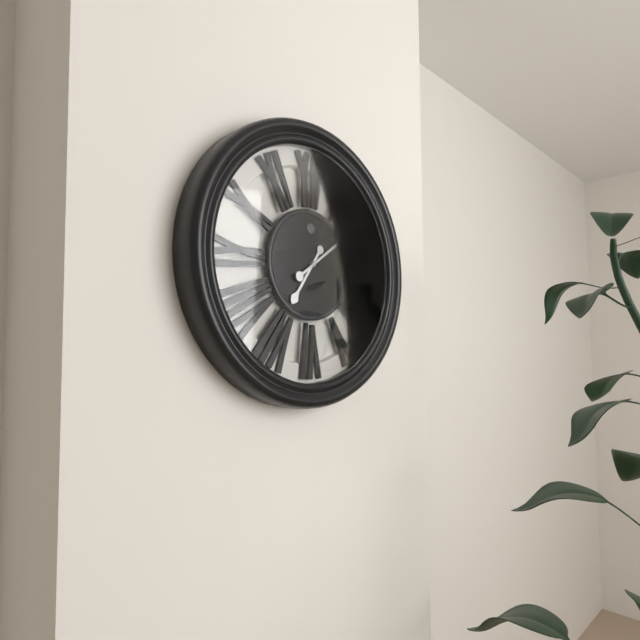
7:09
